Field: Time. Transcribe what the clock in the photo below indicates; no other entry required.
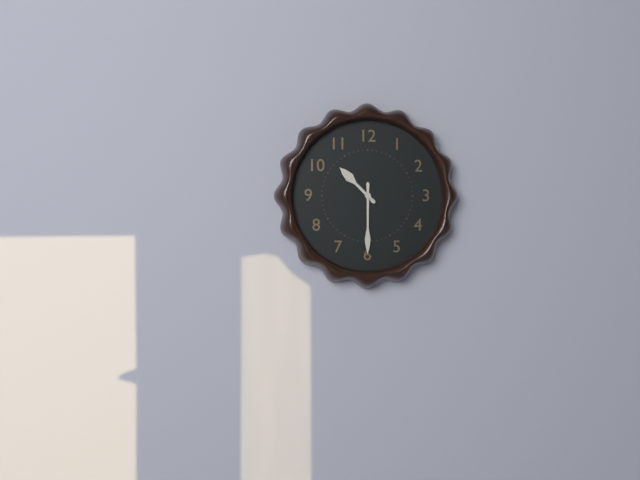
10:30
